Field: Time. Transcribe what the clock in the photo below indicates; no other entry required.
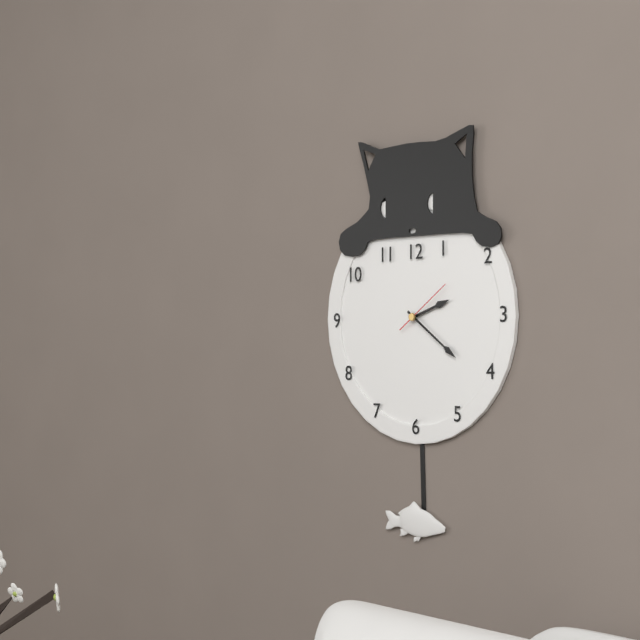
2:21:09
